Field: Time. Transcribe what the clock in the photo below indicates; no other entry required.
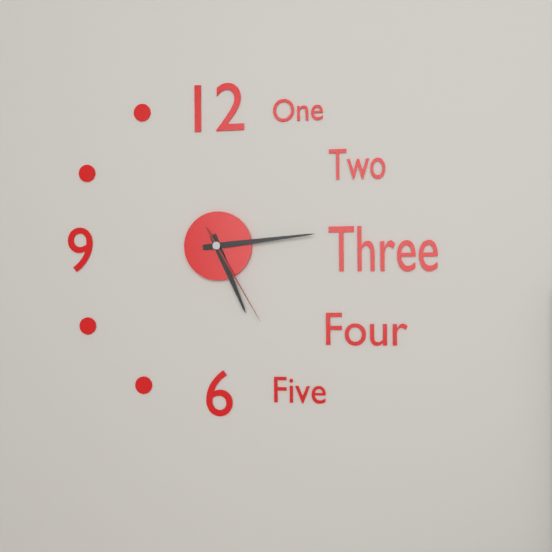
5:14:25
